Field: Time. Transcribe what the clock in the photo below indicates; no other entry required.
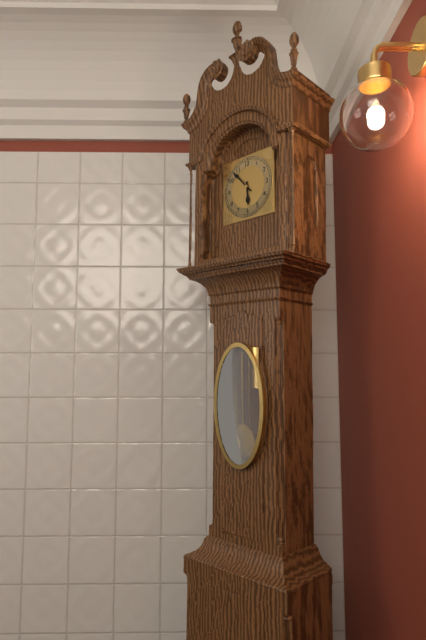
5:53
